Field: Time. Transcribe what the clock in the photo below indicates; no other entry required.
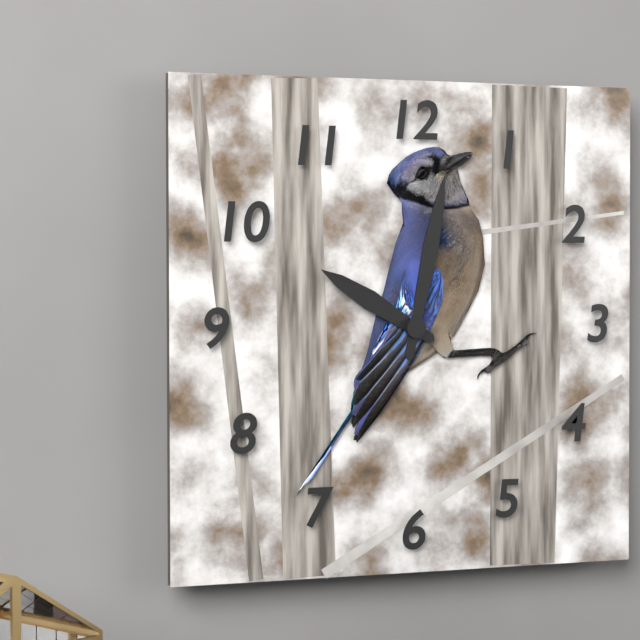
10:02
